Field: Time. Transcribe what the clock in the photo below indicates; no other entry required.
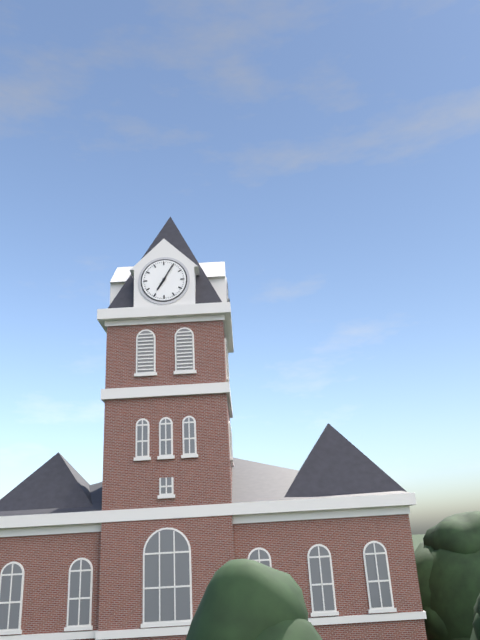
7:05
